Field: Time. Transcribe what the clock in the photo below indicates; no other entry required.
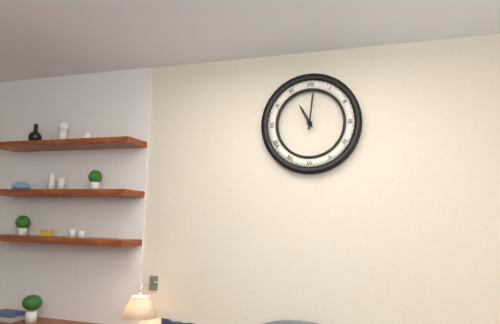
11:01
